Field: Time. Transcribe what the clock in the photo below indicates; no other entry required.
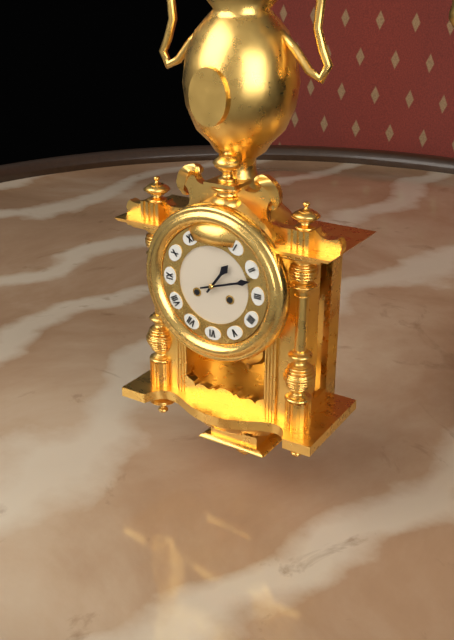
1:12
